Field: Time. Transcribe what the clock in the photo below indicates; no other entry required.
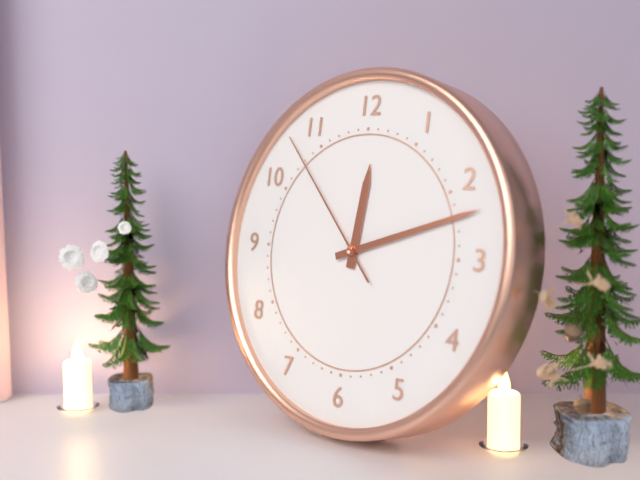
12:12:53
